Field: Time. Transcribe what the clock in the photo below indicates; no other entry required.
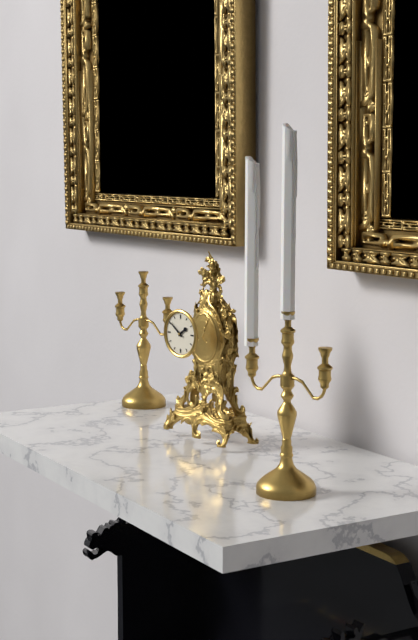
1:51
